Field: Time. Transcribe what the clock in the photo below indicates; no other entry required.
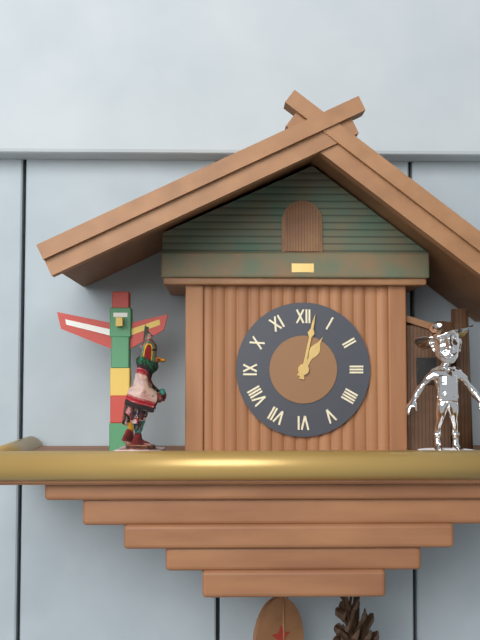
1:02
